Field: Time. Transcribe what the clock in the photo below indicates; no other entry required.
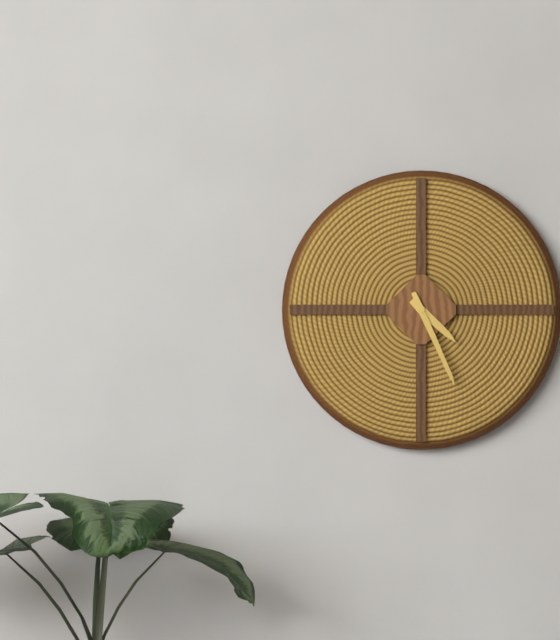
4:26
